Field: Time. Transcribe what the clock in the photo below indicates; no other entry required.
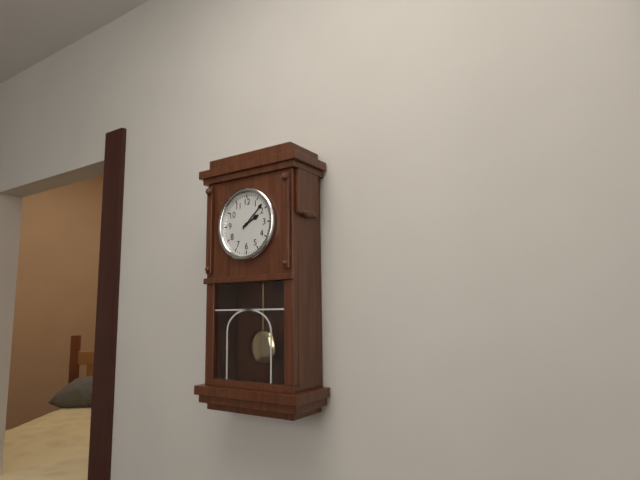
2:08
